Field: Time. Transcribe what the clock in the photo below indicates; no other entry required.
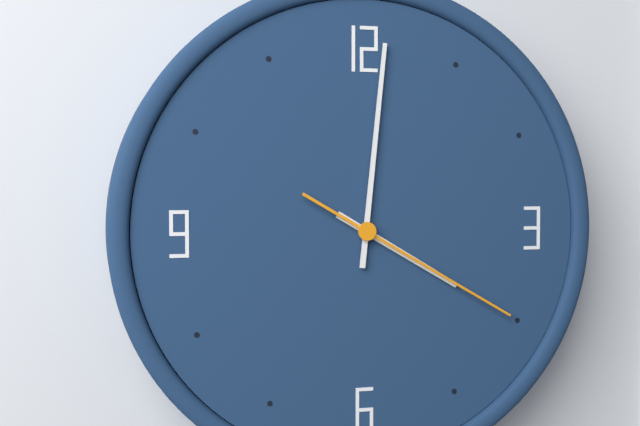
4:01:20
